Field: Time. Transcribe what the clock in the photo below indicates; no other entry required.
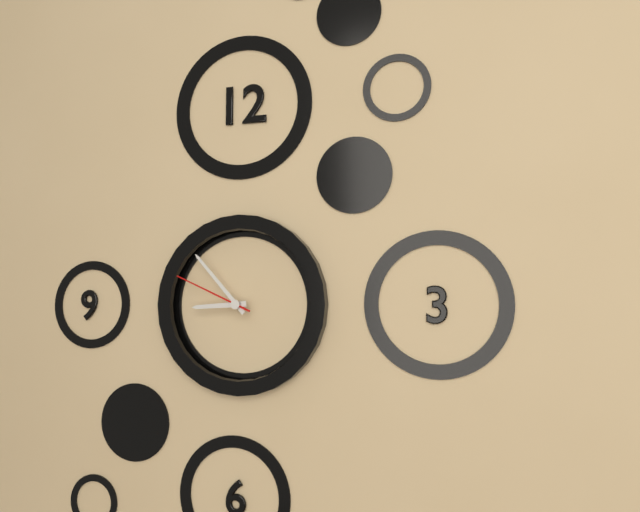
8:53:49
